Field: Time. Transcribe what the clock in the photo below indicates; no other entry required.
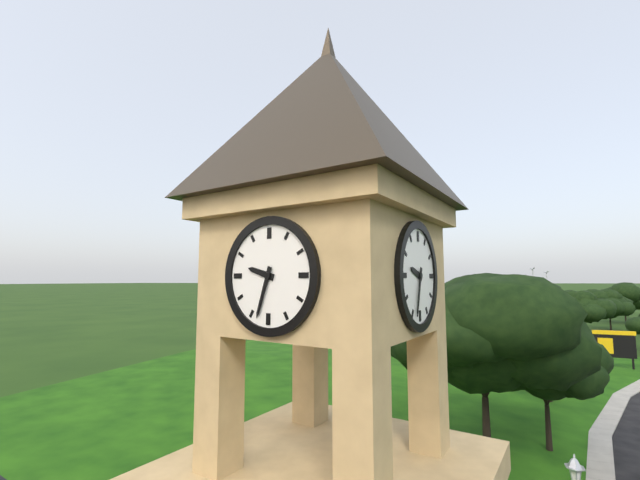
9:33
